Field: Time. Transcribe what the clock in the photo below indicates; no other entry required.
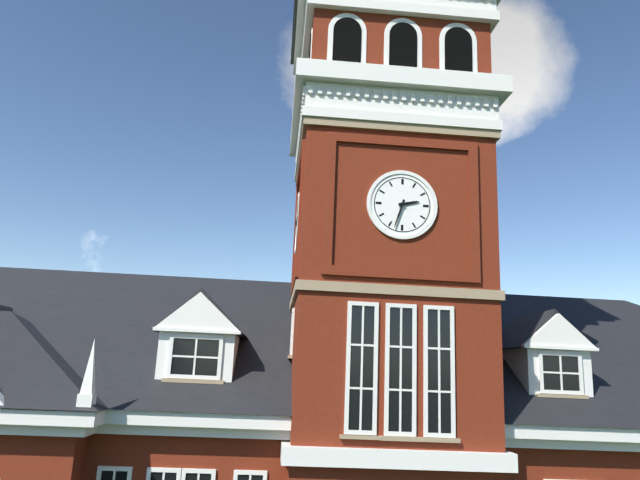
2:33
